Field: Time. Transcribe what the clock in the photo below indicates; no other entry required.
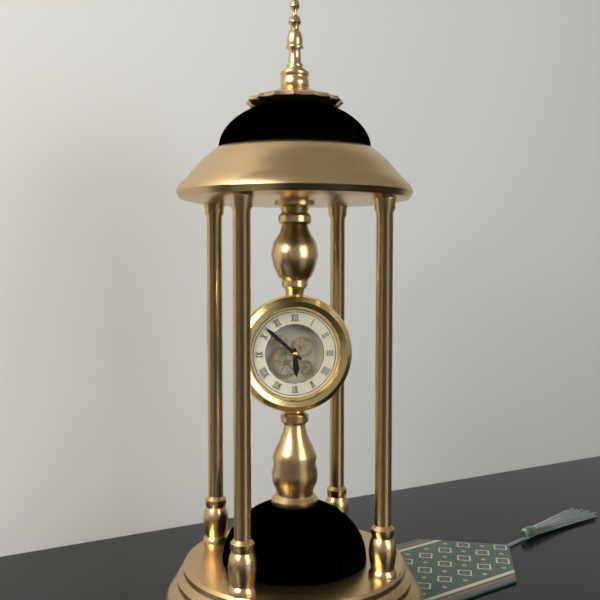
5:52
